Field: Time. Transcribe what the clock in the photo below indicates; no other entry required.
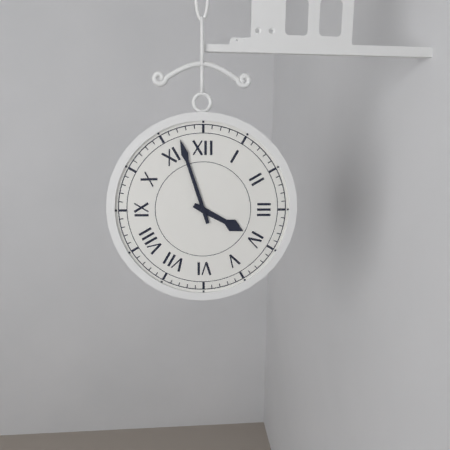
3:57
